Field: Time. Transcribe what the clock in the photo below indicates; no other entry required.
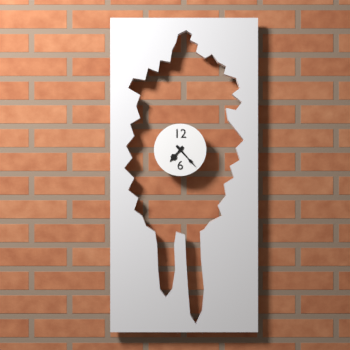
7:23
